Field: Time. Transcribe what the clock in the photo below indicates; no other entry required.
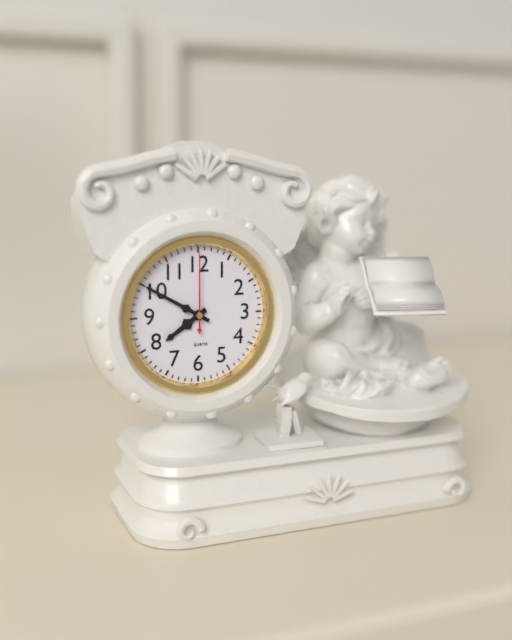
7:50:00
